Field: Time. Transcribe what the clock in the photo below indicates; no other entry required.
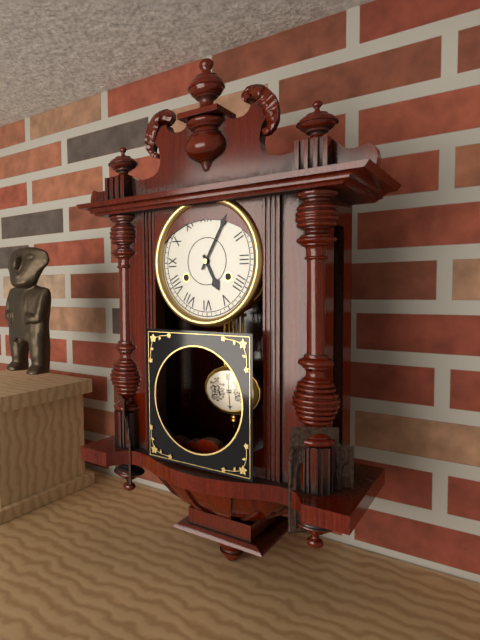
5:05
